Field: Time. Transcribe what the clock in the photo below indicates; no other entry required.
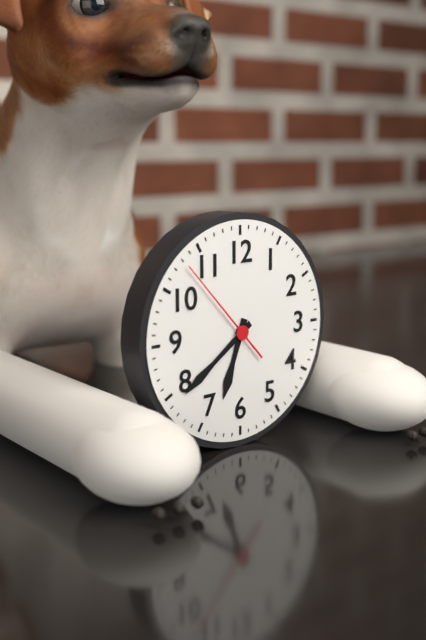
6:39:53
